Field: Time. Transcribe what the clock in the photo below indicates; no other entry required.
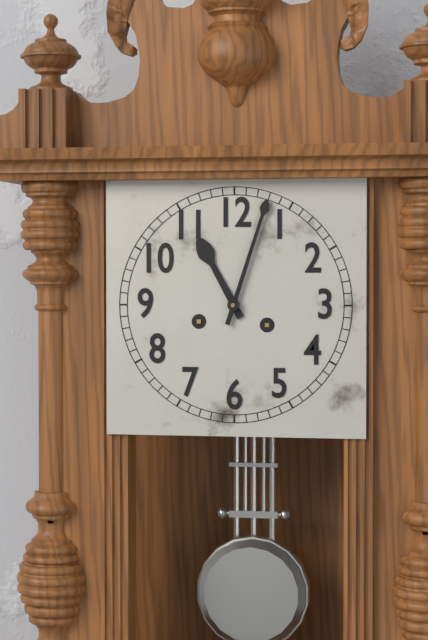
11:03
